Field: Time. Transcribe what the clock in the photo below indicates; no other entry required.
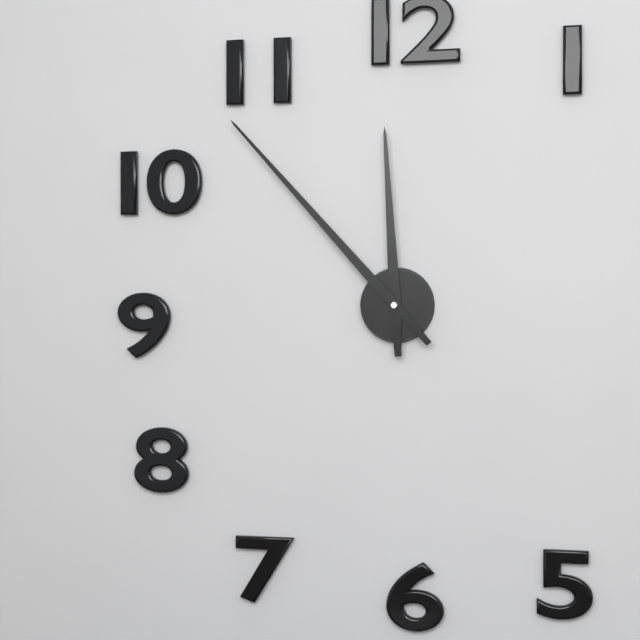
11:53
